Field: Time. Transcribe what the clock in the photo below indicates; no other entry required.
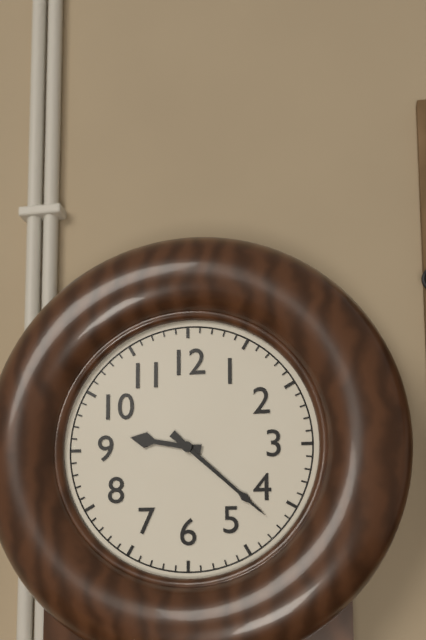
9:22
